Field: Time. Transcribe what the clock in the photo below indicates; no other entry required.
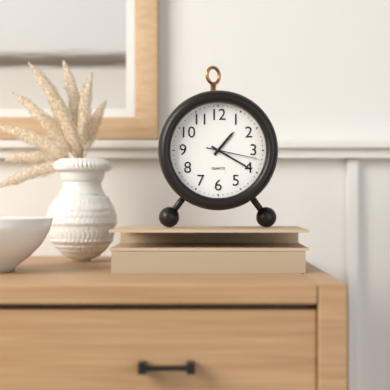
1:20
